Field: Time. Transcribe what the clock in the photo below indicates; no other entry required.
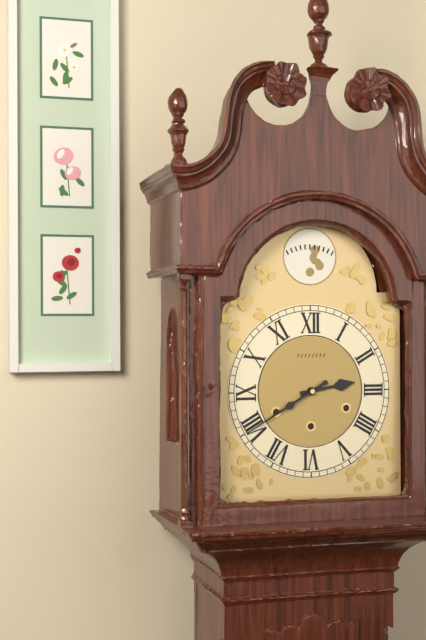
2:40
